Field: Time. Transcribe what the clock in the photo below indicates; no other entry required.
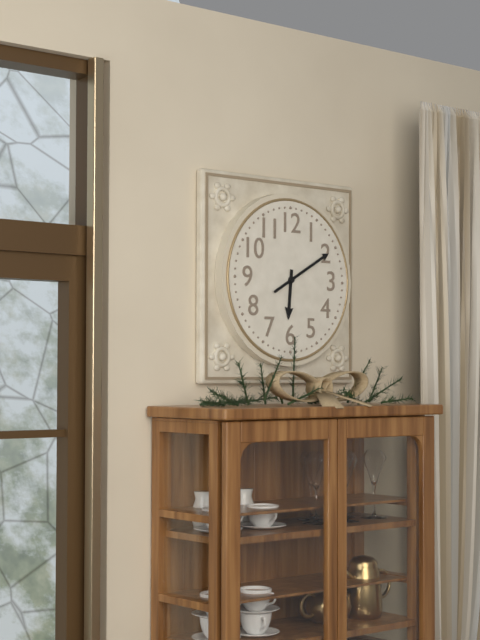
6:10
